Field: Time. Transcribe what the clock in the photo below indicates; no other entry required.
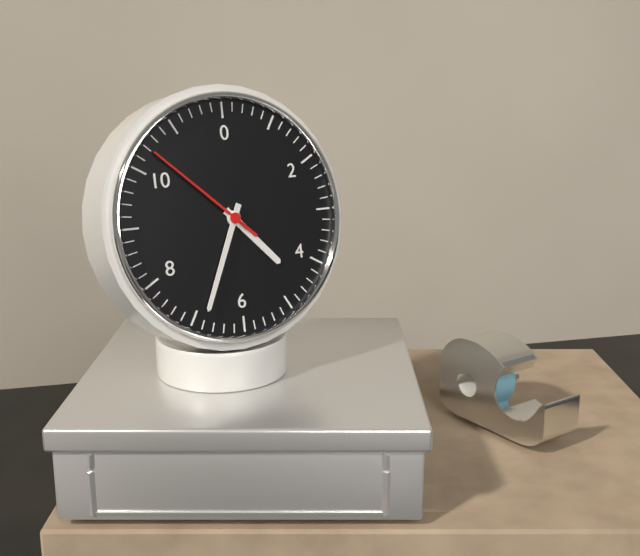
4:34:52
